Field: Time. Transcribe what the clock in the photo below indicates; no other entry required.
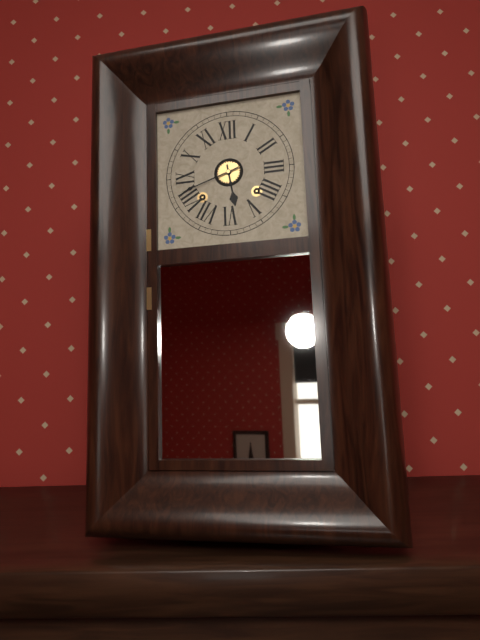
5:42
